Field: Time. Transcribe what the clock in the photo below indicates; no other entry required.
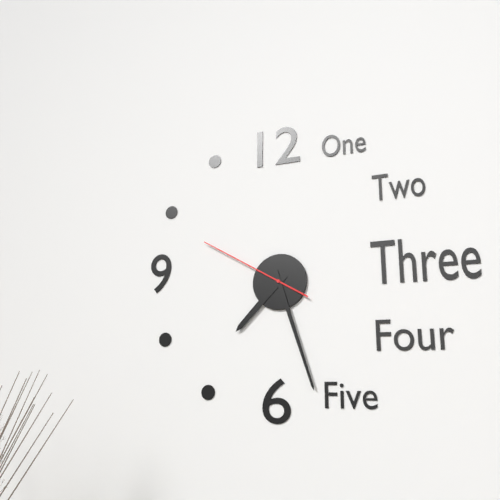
7:27:50
